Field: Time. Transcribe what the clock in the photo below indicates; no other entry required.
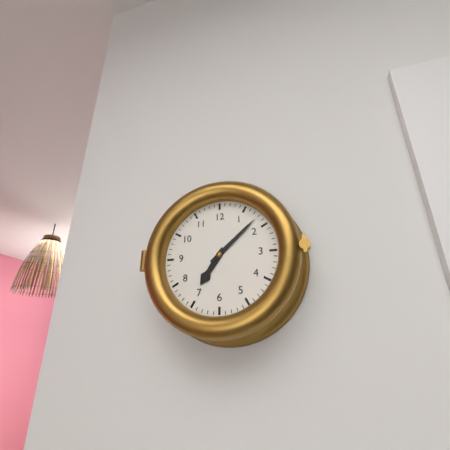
7:08
